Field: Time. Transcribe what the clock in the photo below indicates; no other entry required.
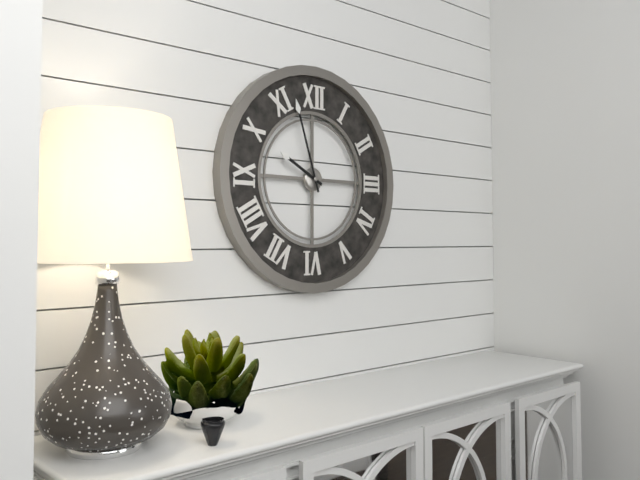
9:57
